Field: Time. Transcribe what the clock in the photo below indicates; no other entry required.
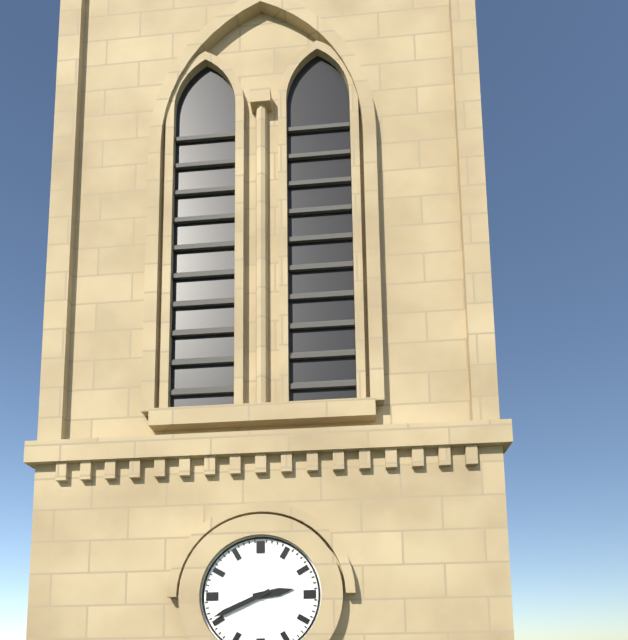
2:41
